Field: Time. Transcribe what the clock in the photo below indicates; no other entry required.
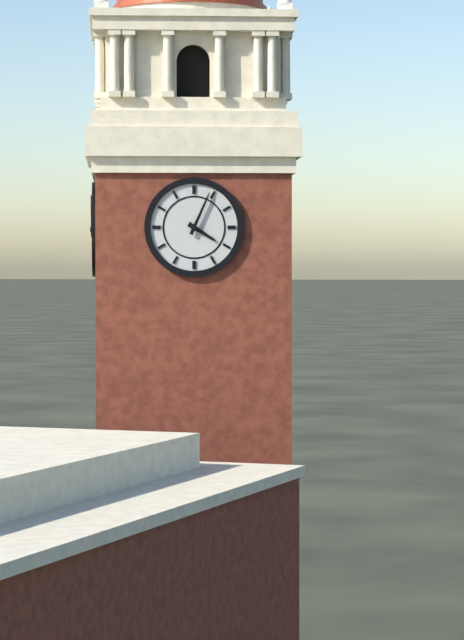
4:04
